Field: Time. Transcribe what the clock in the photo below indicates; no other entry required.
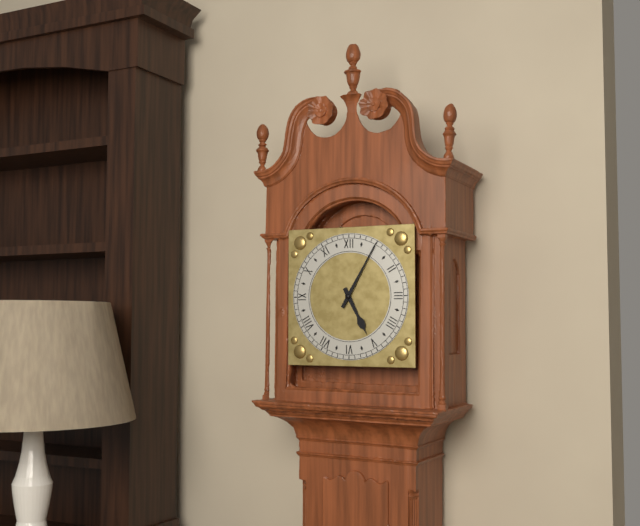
5:05
